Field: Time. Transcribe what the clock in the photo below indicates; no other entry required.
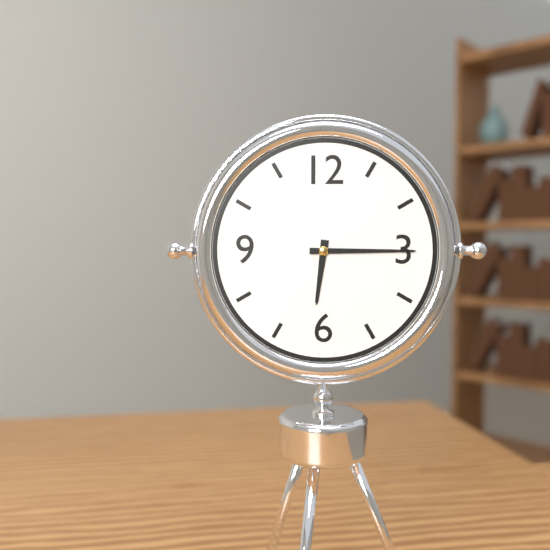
6:15
